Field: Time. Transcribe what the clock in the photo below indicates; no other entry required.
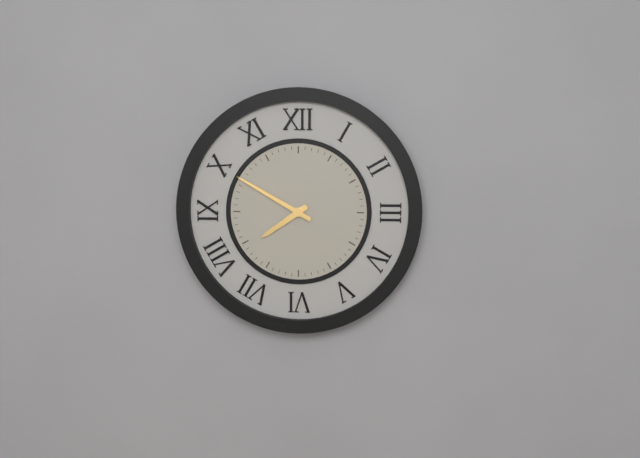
7:50
